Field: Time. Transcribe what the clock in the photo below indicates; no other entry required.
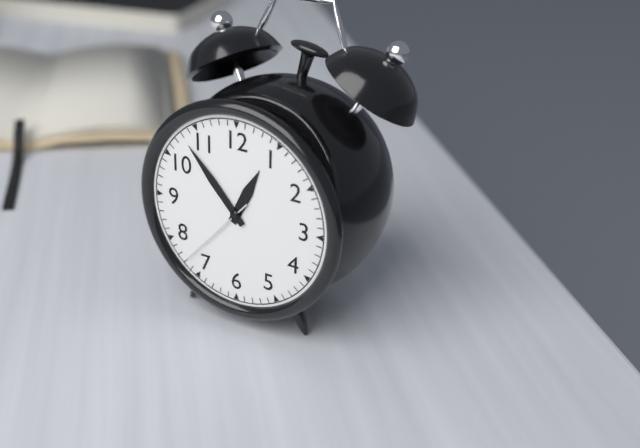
12:53:37
